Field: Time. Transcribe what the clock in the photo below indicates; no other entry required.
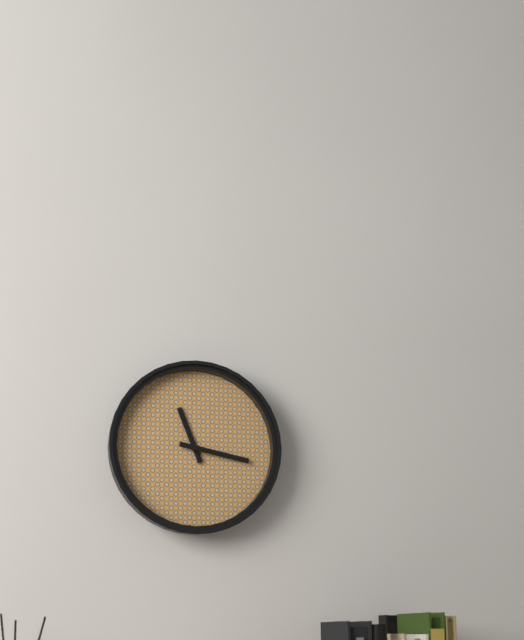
11:17
